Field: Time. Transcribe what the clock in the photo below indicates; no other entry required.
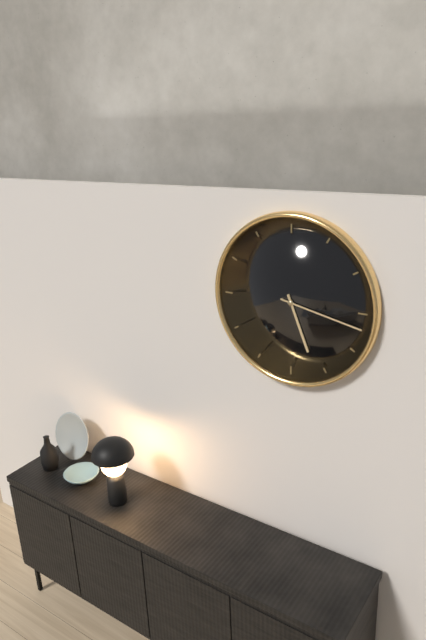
5:17
